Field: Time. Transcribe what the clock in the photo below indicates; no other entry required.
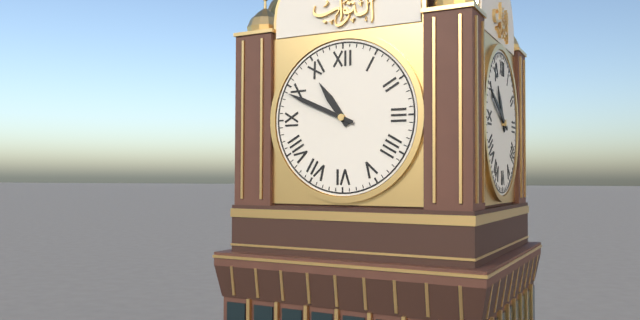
10:49
